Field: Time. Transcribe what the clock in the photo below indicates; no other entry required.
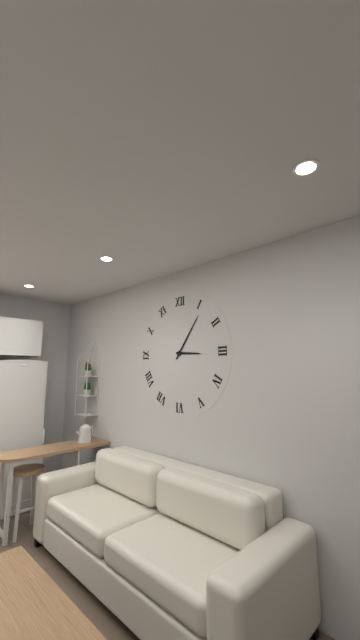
3:06
